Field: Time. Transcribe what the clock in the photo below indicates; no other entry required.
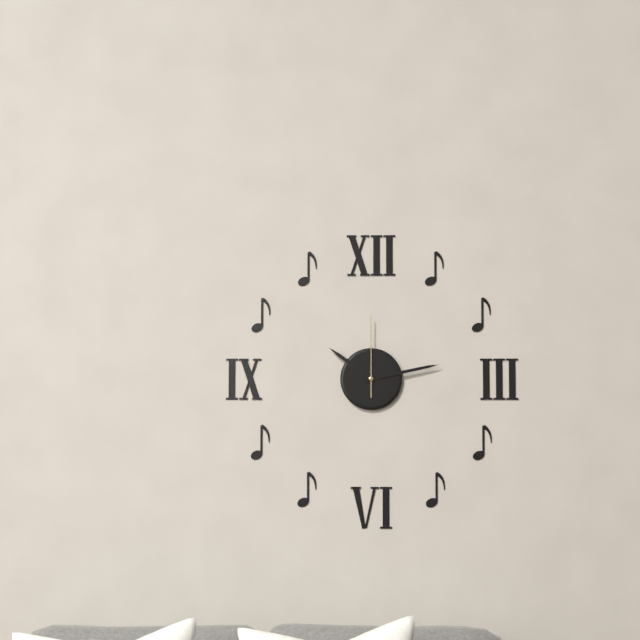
10:13:00
